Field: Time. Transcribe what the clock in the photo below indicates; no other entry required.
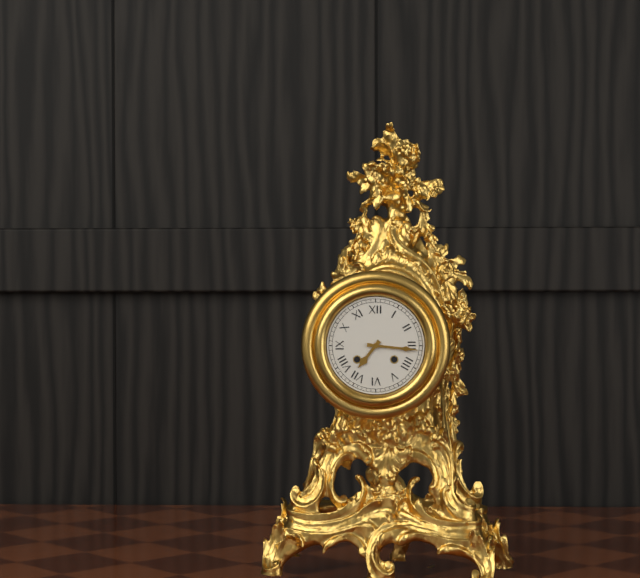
7:16
